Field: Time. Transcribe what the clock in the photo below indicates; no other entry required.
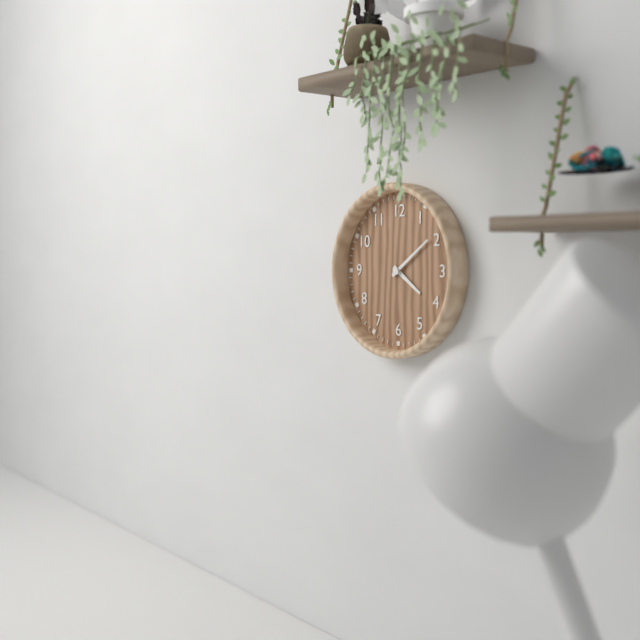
4:09
